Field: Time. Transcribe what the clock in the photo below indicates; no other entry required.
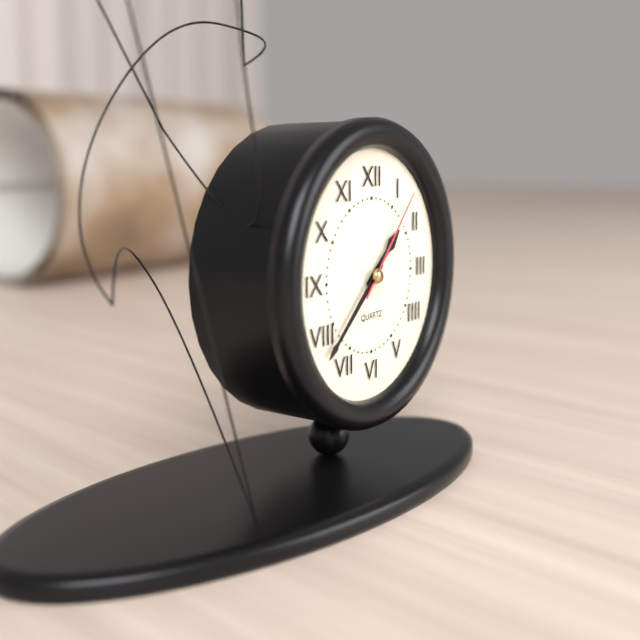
1:38:07
